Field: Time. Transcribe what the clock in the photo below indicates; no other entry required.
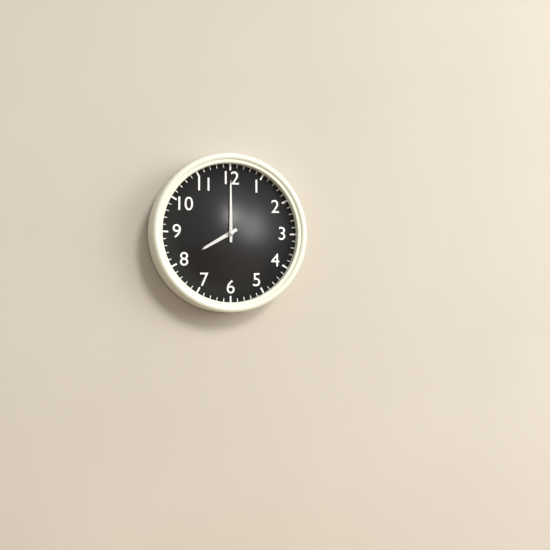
8:00
